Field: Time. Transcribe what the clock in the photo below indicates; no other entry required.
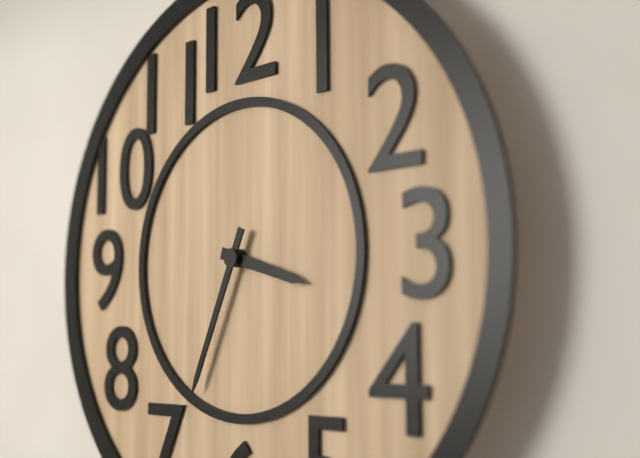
3:34
